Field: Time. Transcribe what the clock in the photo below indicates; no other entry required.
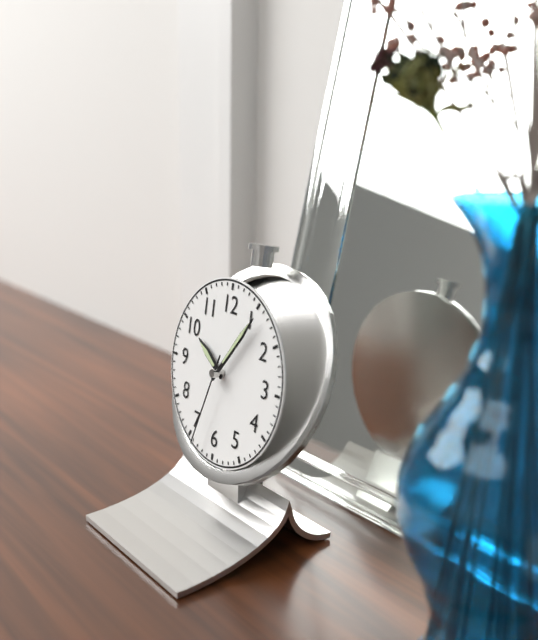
10:06:33
